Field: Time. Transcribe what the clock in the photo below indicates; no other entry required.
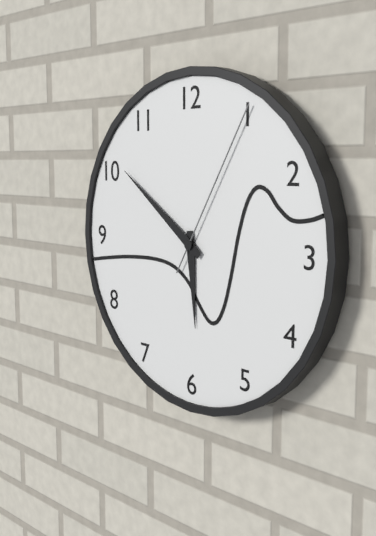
5:51:05
